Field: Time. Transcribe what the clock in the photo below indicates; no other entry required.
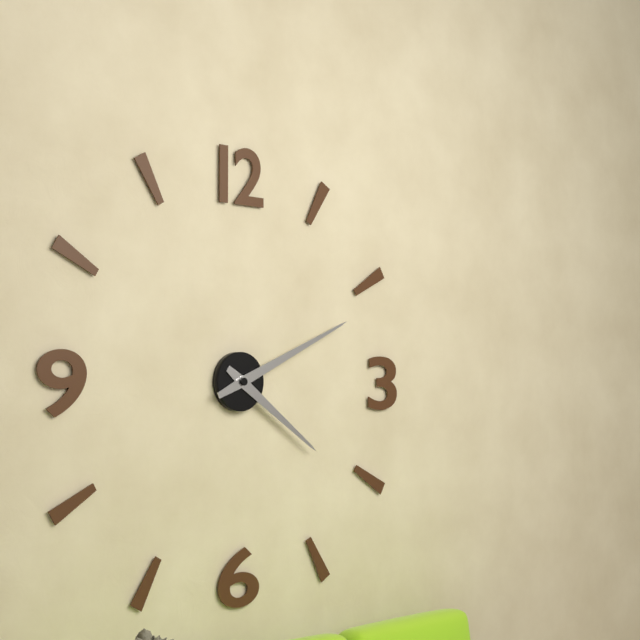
4:11
